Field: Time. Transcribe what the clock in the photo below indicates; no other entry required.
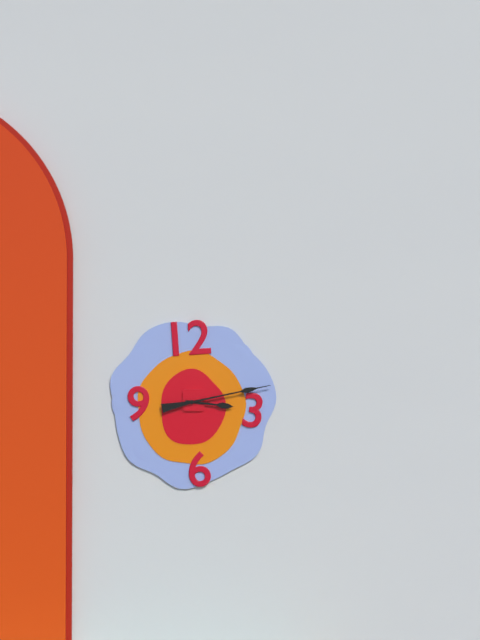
3:13
